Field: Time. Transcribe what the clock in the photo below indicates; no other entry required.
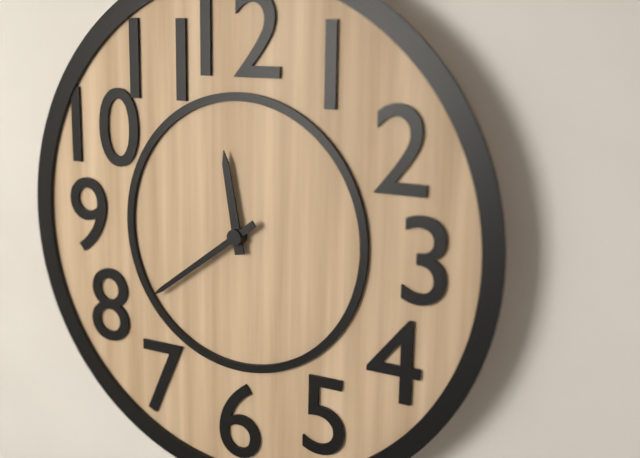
11:39
